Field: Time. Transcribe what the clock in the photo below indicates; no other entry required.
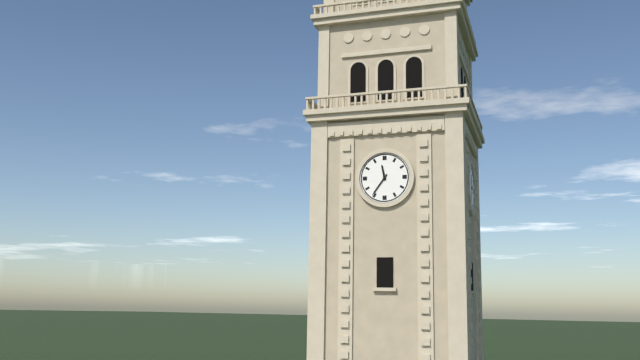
11:36
